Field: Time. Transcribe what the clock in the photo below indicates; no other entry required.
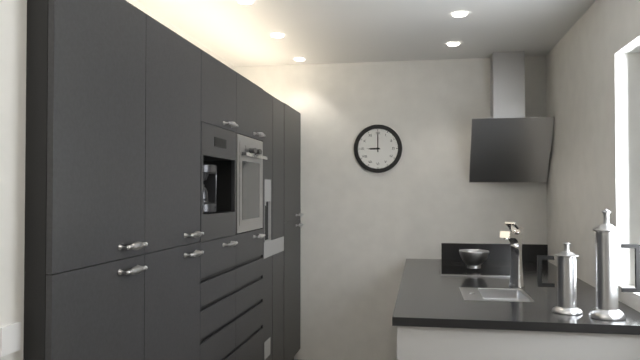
9:00
